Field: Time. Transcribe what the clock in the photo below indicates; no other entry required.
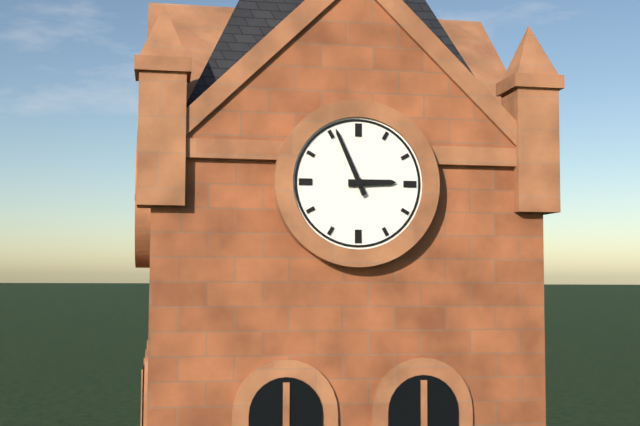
2:56
